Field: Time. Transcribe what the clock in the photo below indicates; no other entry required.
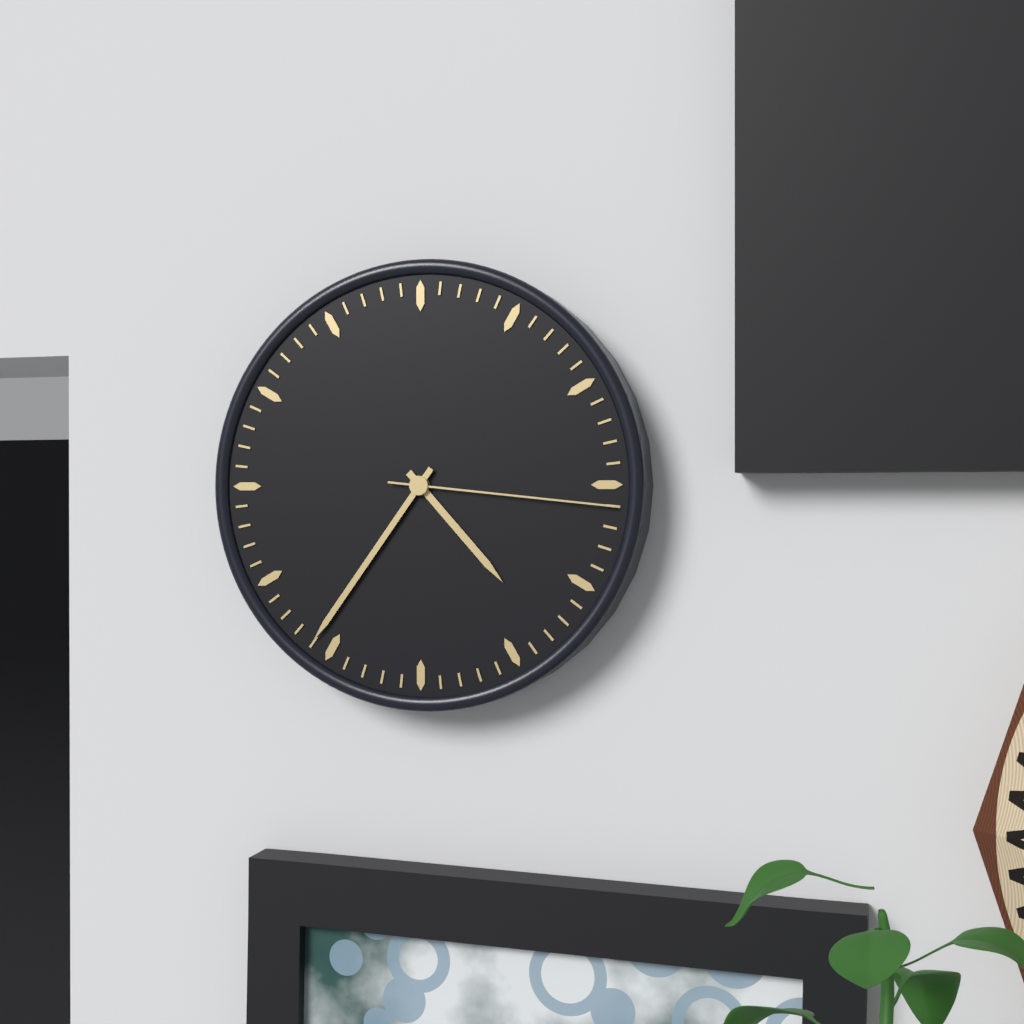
4:36:16
